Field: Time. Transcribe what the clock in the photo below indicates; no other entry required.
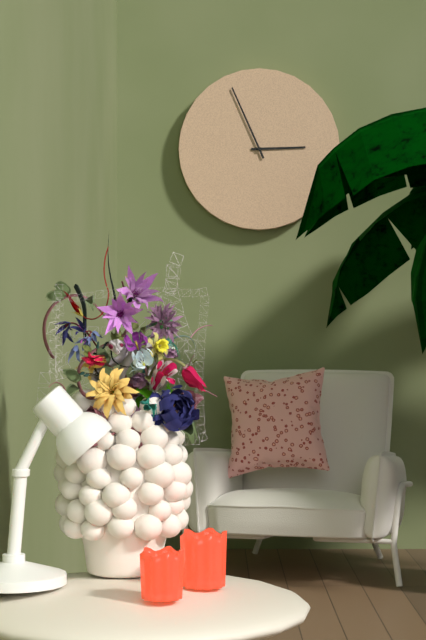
2:56
